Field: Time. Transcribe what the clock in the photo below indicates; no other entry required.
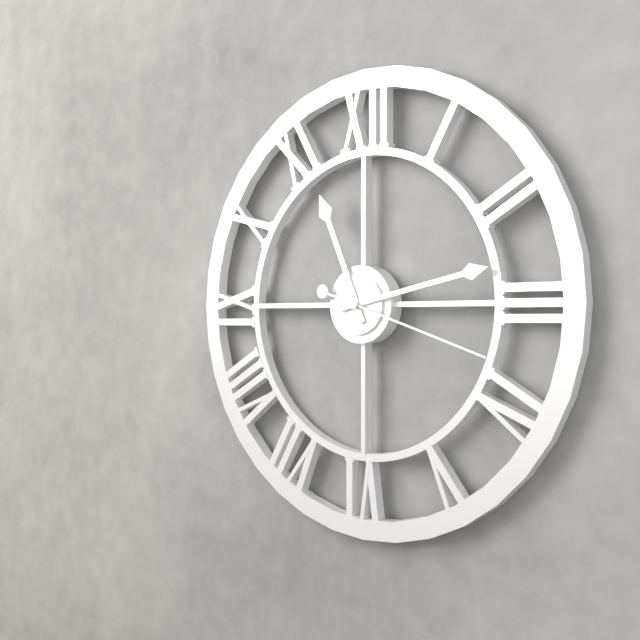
11:13:18
